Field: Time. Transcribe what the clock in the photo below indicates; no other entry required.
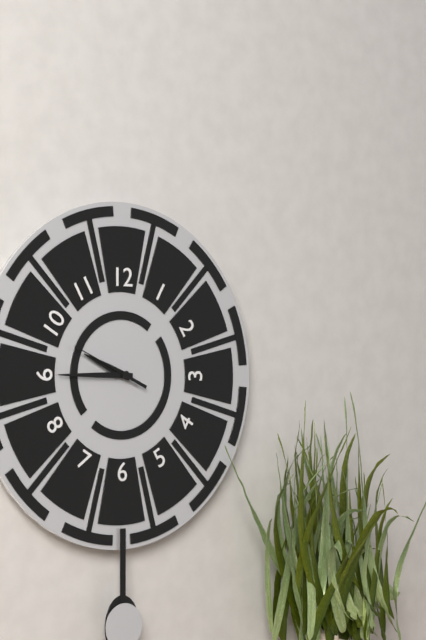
9:45:49
